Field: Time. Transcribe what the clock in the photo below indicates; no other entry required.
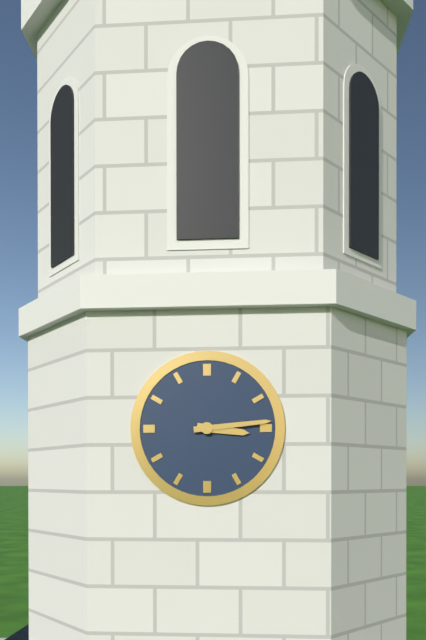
3:14
